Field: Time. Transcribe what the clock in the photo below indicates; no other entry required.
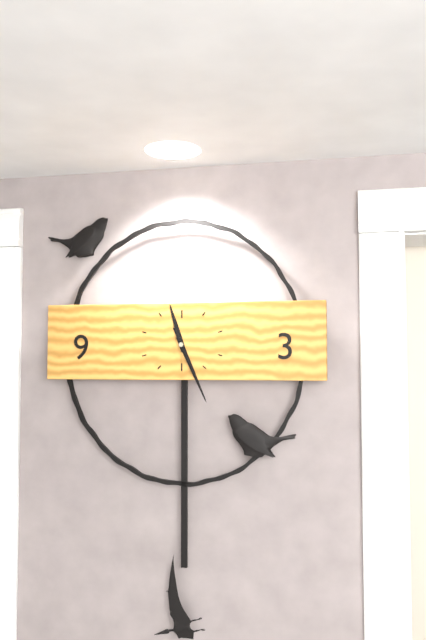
11:26
